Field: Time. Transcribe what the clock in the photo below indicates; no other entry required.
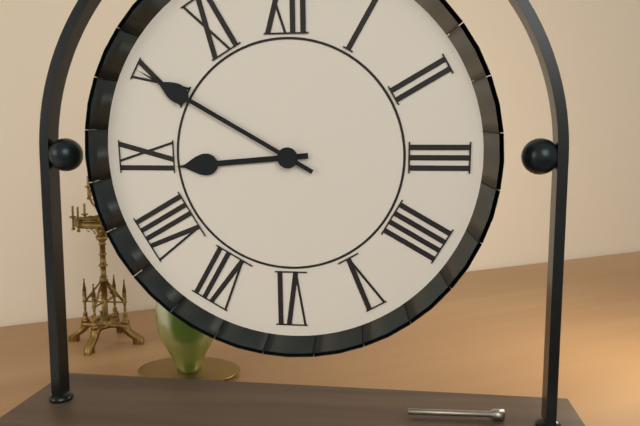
8:50
